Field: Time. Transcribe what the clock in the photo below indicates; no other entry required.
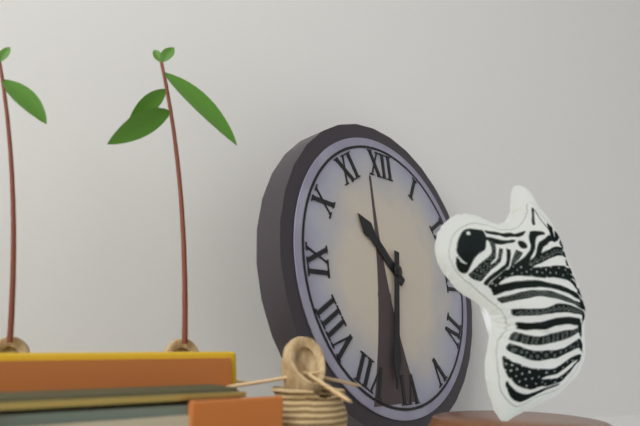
10:32
